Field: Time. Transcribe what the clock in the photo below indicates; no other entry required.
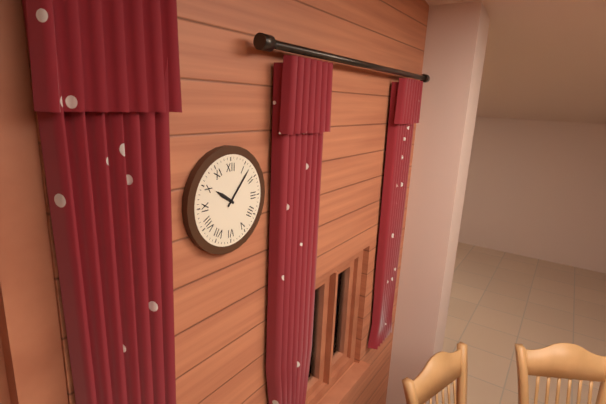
10:07
